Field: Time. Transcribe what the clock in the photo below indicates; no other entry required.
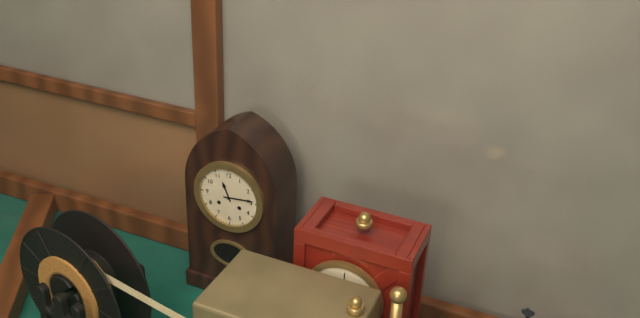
11:14
